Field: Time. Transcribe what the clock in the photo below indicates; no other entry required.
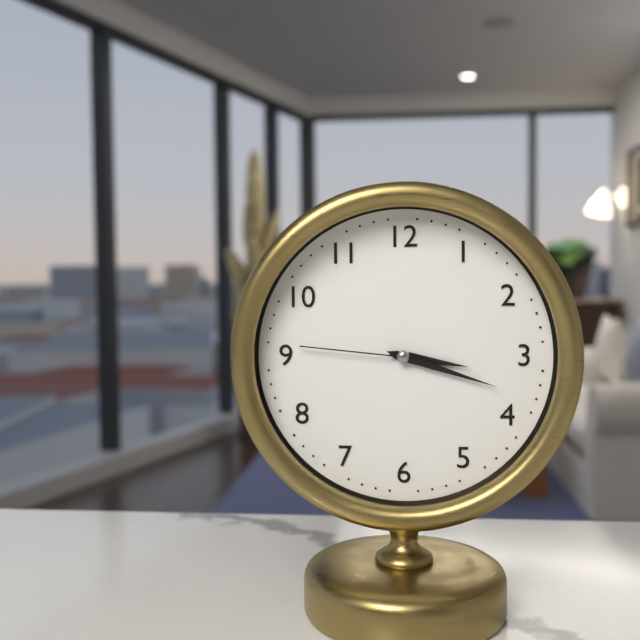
3:18:46
